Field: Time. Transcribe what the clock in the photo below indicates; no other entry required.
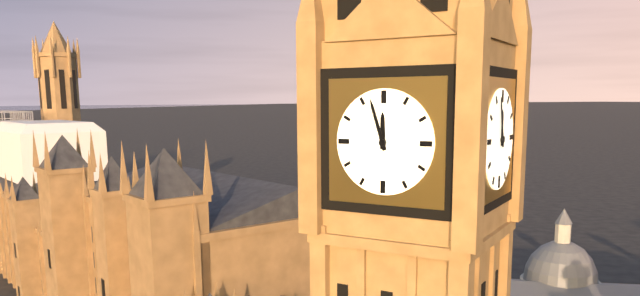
11:57
